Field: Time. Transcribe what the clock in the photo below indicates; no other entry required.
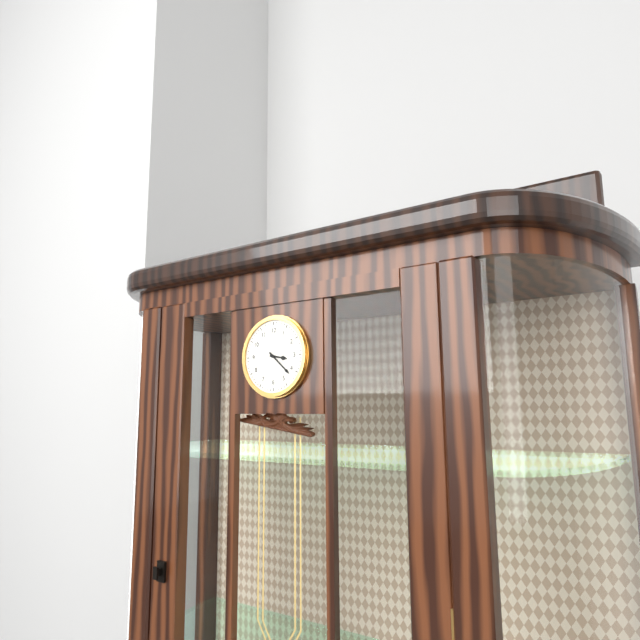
3:22
